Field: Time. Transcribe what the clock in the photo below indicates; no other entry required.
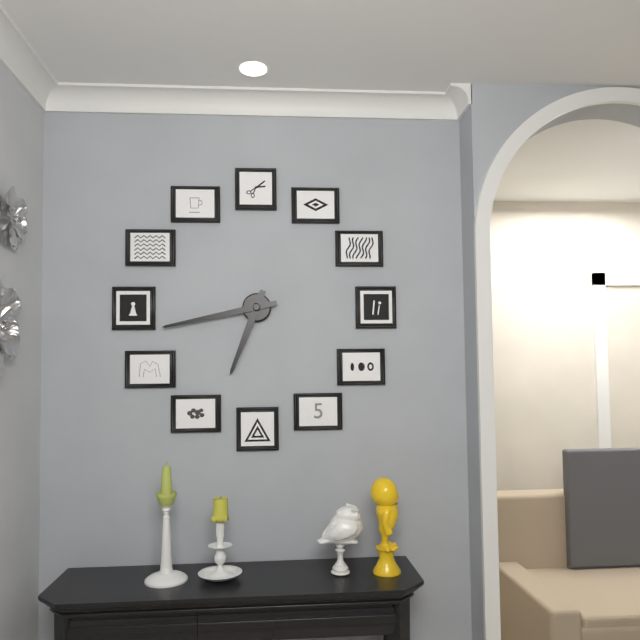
6:43
